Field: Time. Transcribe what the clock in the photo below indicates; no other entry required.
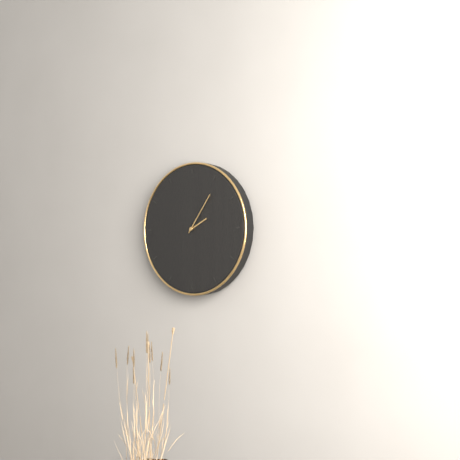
2:06
